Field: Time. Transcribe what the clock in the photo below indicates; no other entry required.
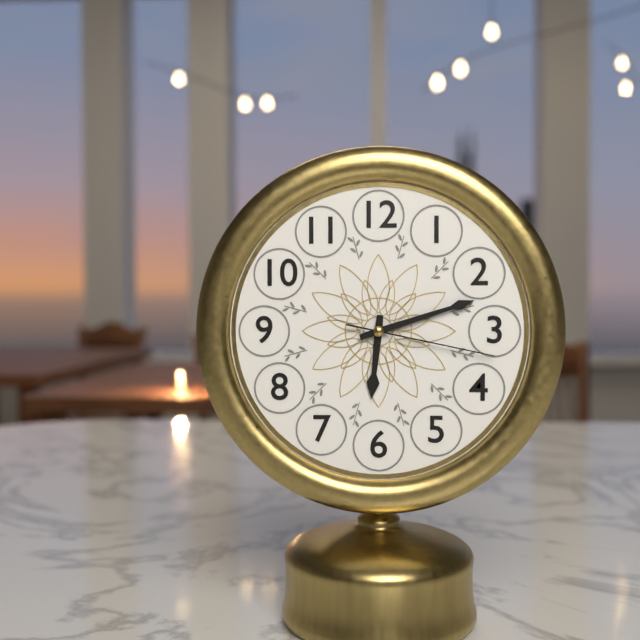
6:12:17
